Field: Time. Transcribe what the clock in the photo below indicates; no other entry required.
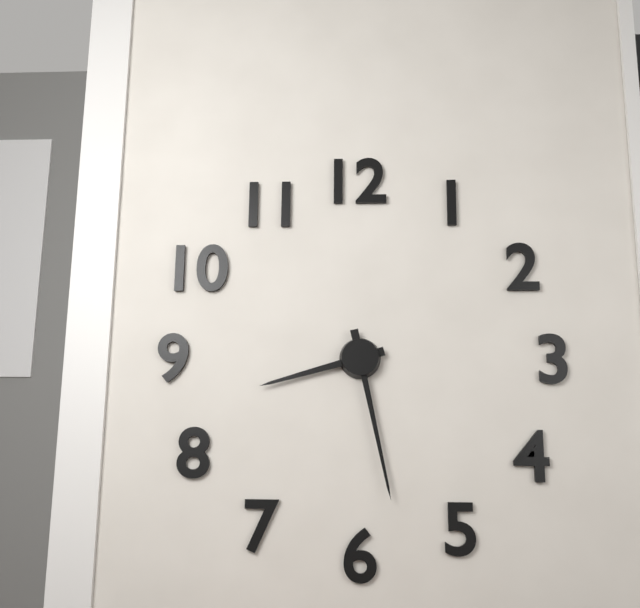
8:28
